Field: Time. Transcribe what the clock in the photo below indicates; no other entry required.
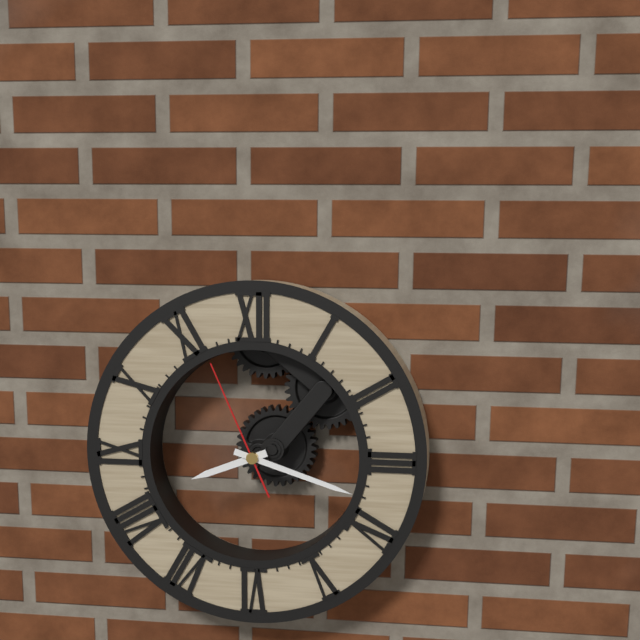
8:18:56
